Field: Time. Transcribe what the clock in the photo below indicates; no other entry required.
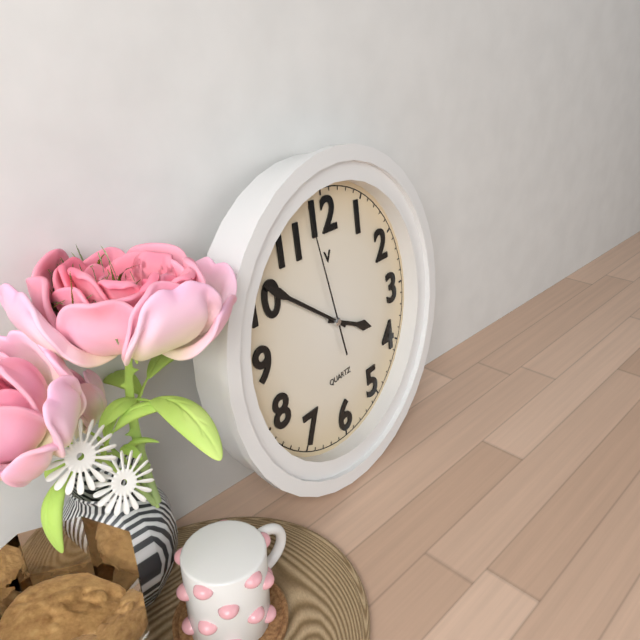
3:51:58
